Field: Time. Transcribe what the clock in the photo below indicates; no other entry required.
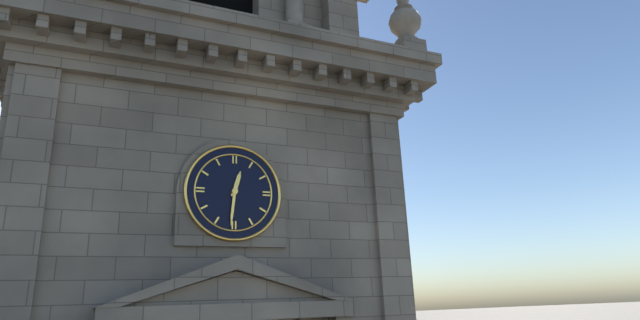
12:31
